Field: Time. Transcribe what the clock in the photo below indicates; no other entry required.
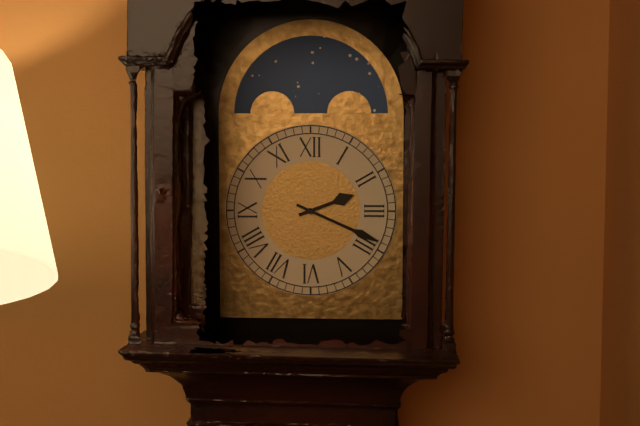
2:19
